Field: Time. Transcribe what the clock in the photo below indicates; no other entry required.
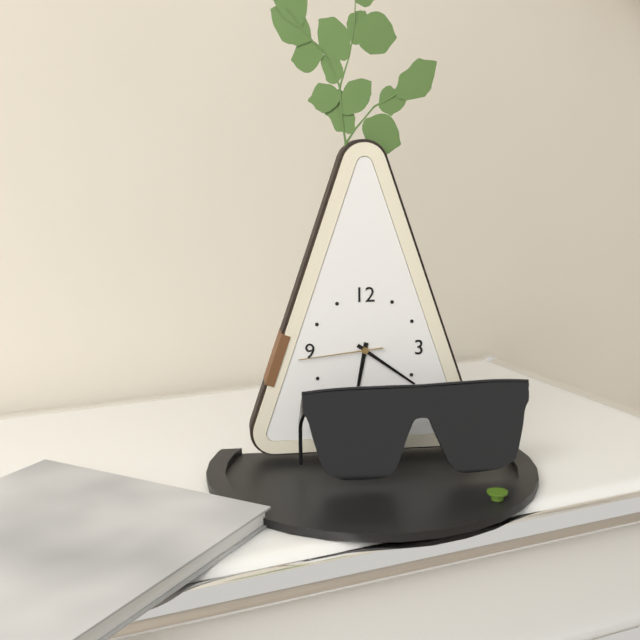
6:21:44
